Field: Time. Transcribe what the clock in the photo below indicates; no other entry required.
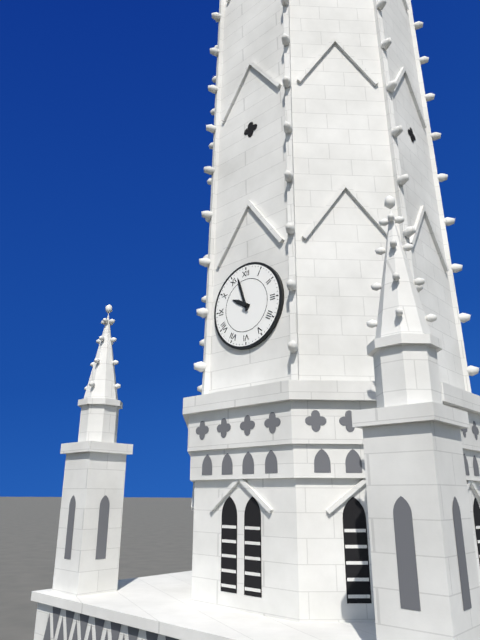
9:57
